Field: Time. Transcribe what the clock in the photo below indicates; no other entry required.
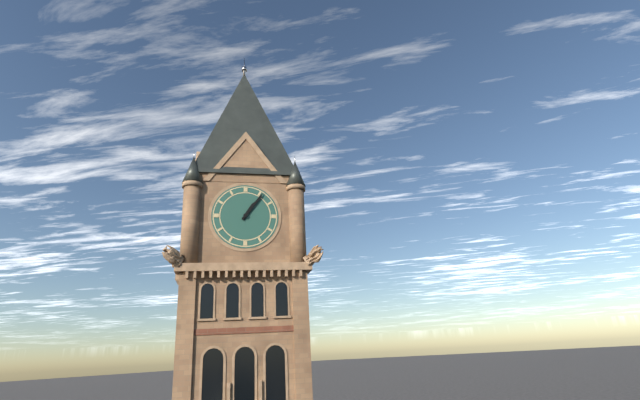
1:06
